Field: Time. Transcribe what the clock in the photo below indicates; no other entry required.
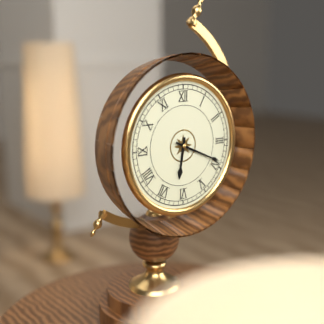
6:19
